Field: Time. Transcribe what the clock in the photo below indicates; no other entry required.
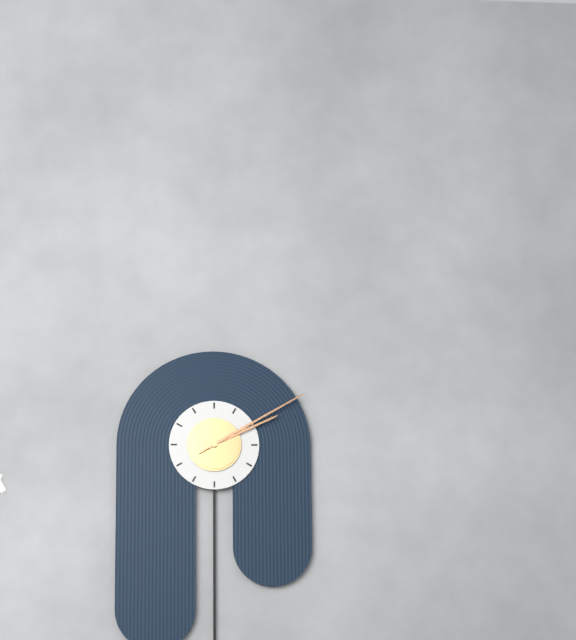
2:10
